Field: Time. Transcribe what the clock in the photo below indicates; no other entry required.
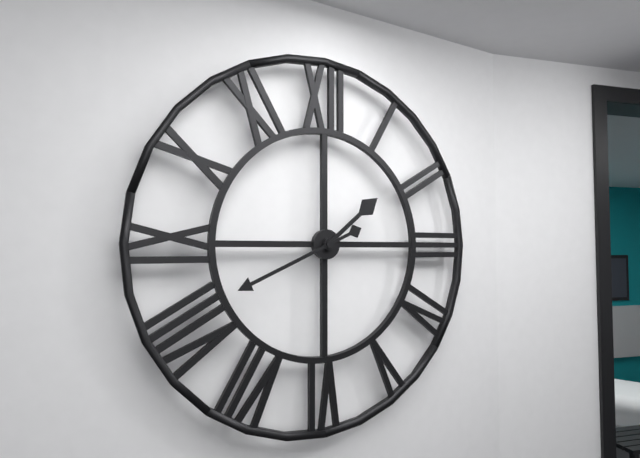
1:41
